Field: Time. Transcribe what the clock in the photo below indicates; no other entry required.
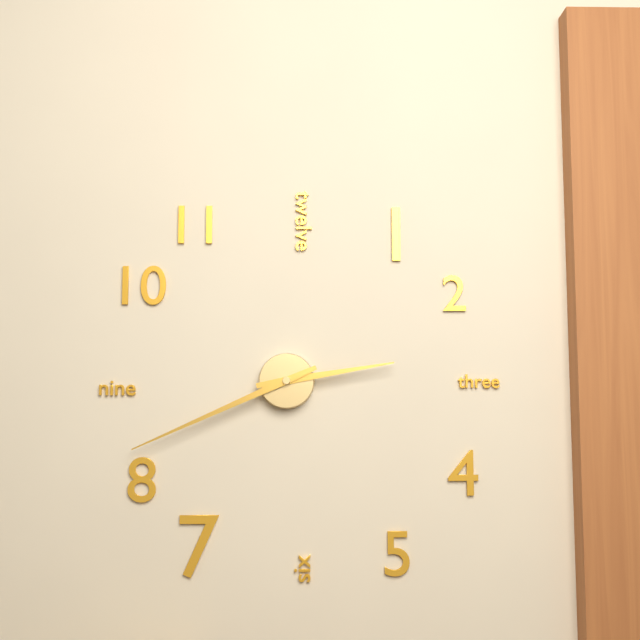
2:41
